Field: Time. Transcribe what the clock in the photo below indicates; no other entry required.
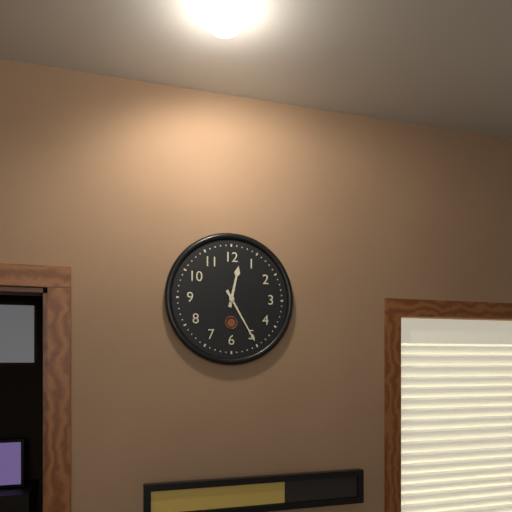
12:25
